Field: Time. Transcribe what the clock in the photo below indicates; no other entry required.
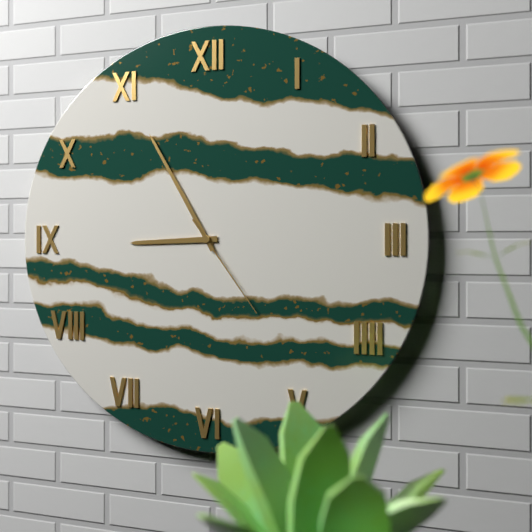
8:55:24
